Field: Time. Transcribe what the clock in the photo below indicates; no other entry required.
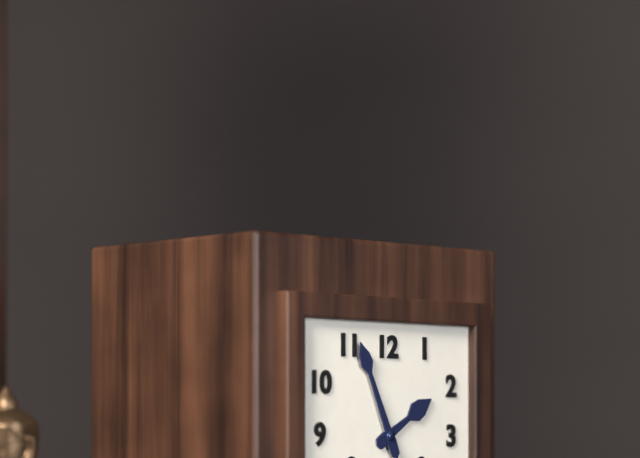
1:56
